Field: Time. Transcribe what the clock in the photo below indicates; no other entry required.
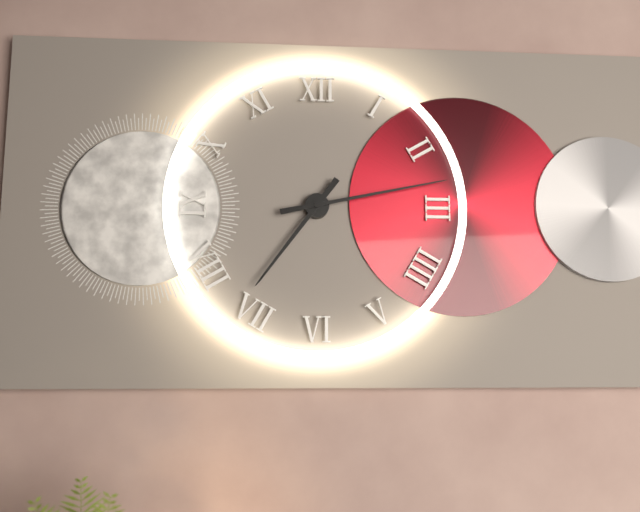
7:13
